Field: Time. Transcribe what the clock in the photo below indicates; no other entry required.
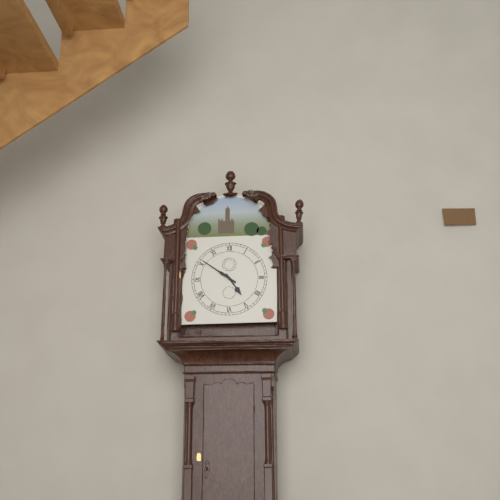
4:51
